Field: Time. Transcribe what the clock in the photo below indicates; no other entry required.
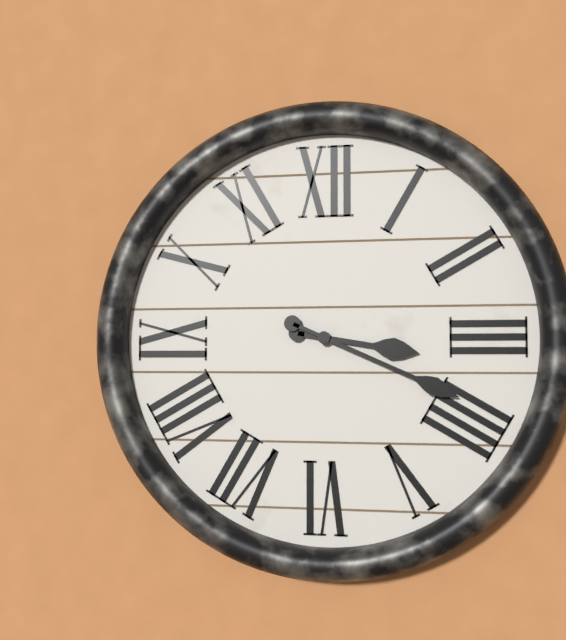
3:19
